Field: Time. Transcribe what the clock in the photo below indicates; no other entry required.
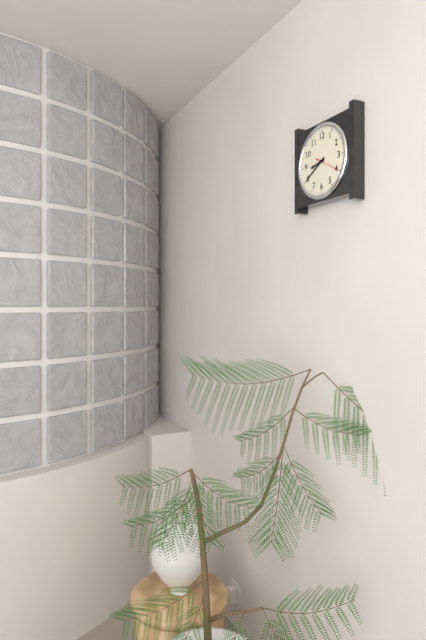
8:40
